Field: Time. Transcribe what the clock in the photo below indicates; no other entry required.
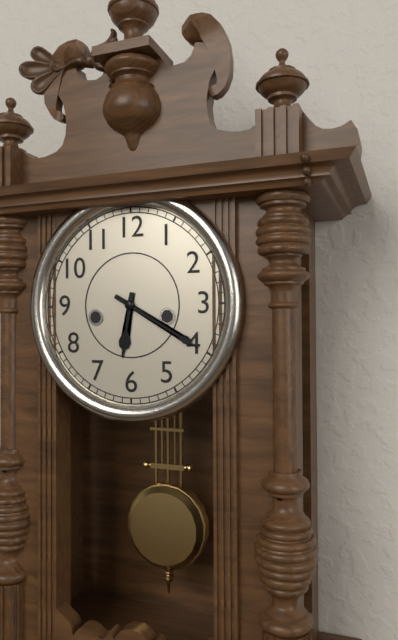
6:20
